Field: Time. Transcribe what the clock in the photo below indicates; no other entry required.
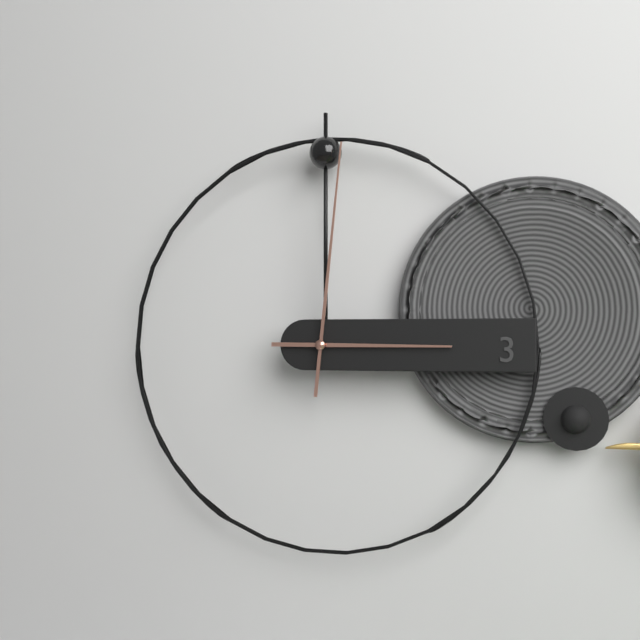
3:01
